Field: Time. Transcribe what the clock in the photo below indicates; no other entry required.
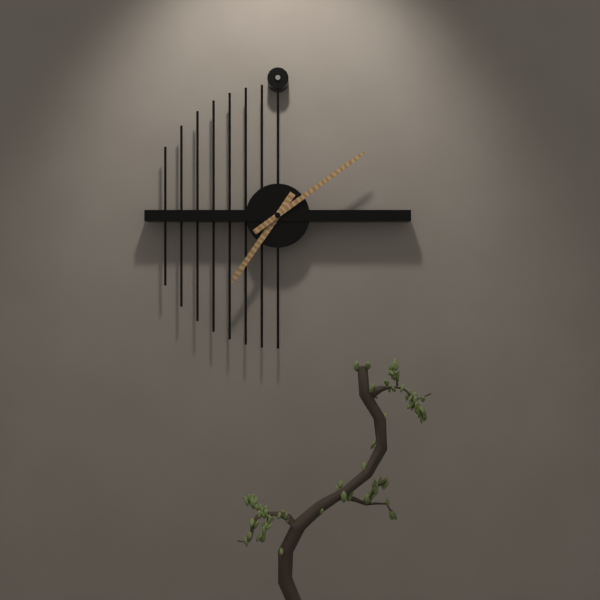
7:09
